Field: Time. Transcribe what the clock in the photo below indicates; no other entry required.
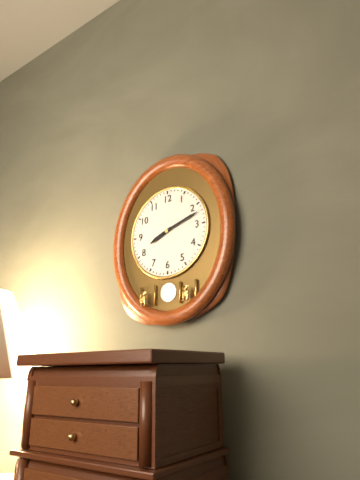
8:12
